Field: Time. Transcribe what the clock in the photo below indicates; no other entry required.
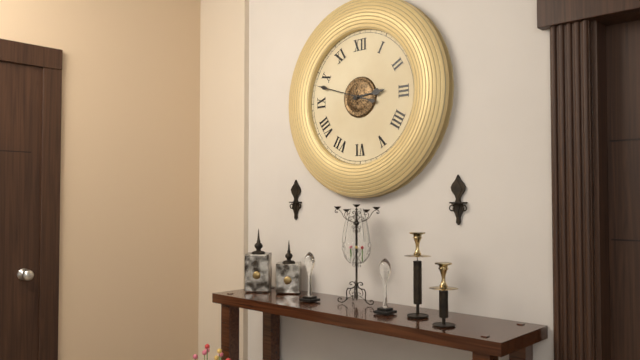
2:48
